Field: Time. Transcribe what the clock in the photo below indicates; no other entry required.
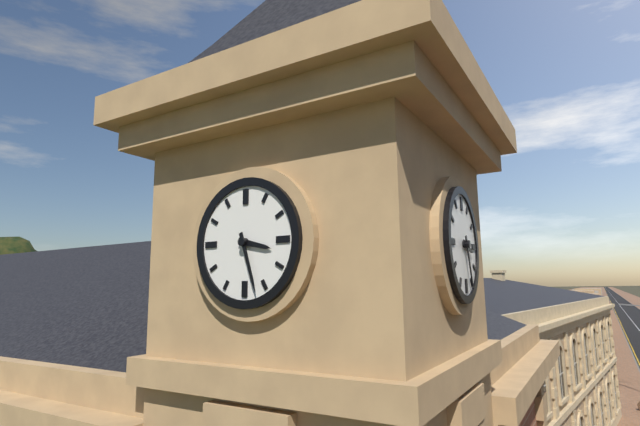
3:27
